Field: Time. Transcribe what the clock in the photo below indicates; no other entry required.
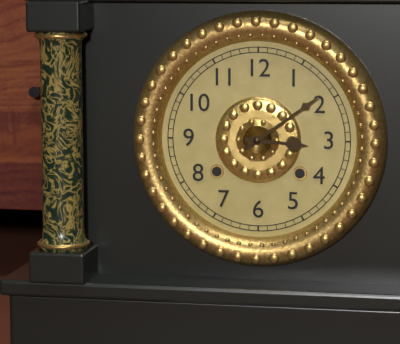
3:09
